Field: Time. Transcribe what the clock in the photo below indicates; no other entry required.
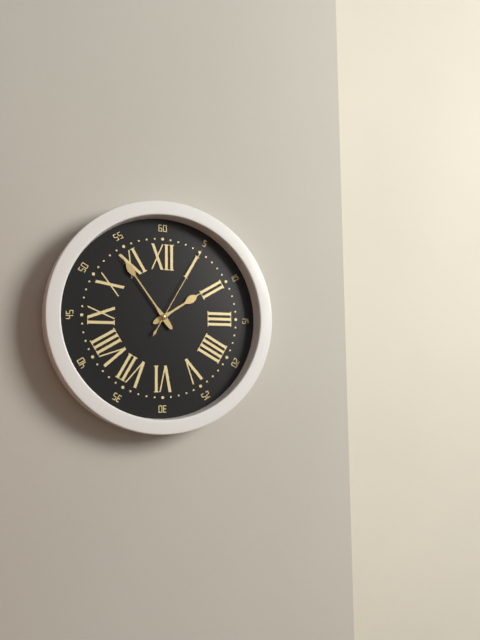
1:54:05
